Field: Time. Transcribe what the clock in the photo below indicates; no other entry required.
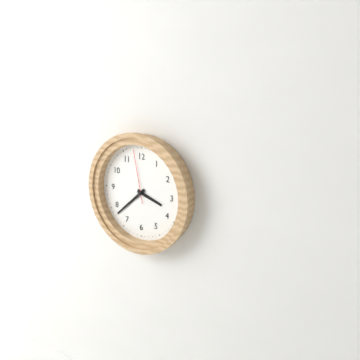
3:38:58
